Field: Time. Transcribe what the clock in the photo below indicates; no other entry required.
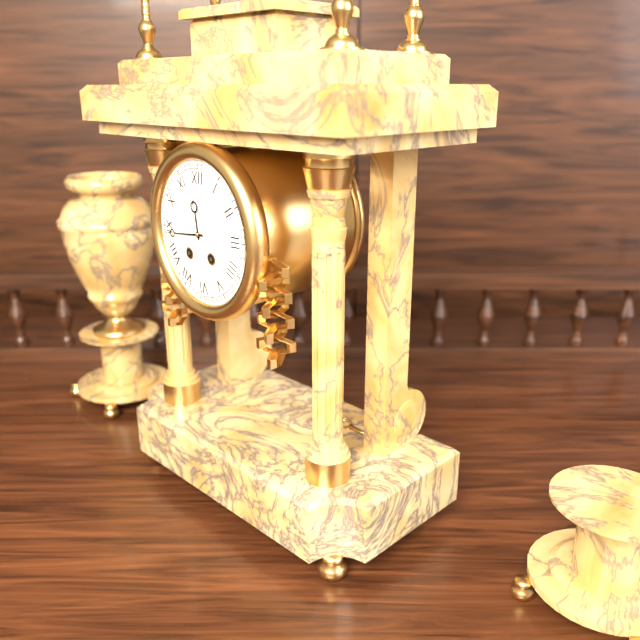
11:44
